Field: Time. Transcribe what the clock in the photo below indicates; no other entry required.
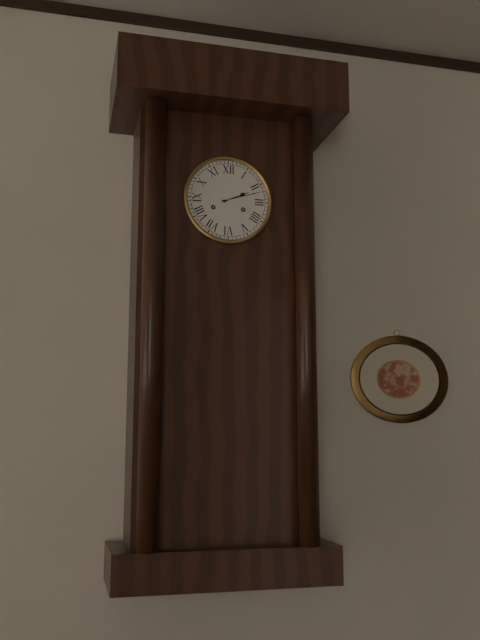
2:12
